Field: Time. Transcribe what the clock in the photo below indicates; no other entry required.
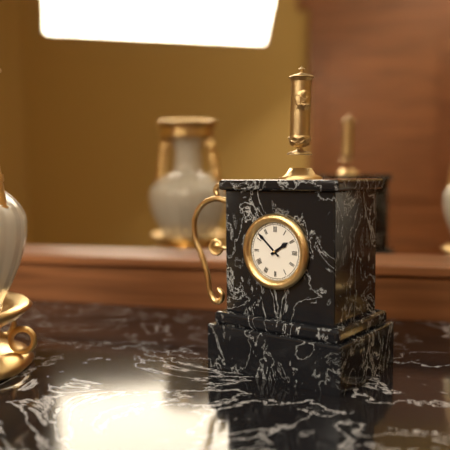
1:52
